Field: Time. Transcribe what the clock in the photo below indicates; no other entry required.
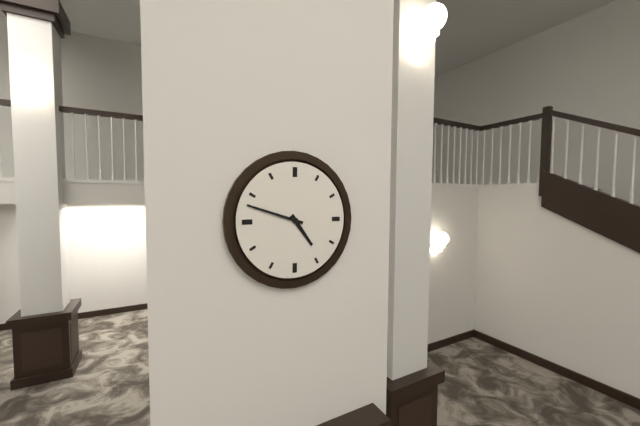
4:48
